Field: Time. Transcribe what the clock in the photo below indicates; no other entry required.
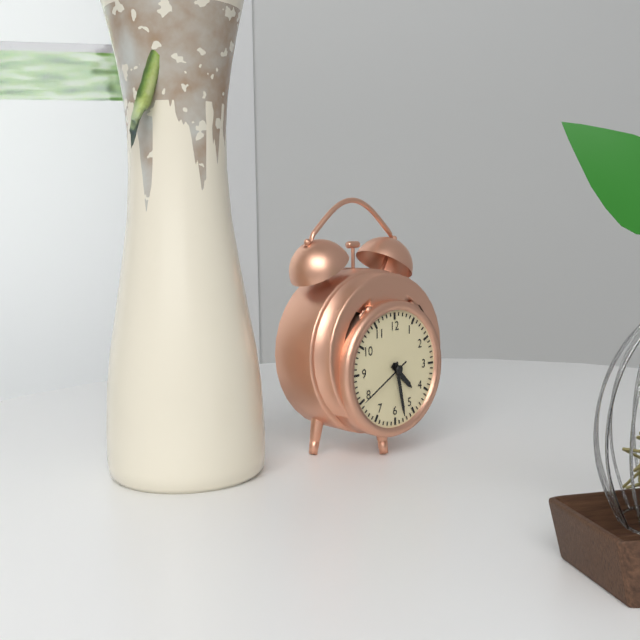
4:28:40
